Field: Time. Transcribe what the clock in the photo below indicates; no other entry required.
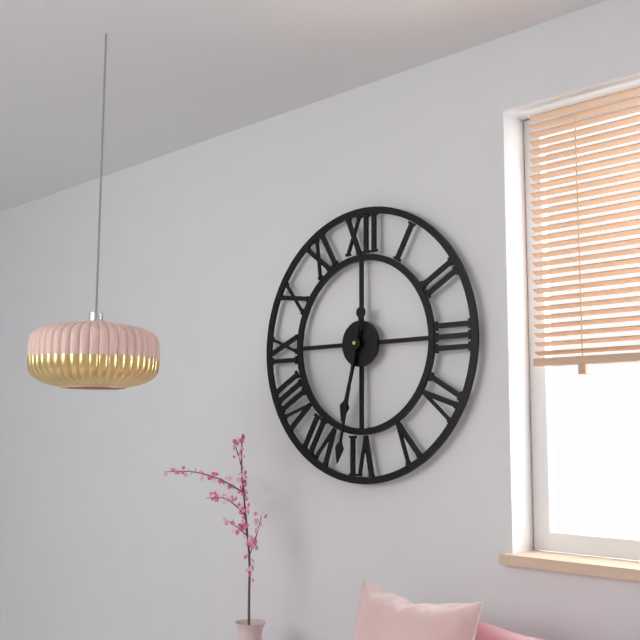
6:32
